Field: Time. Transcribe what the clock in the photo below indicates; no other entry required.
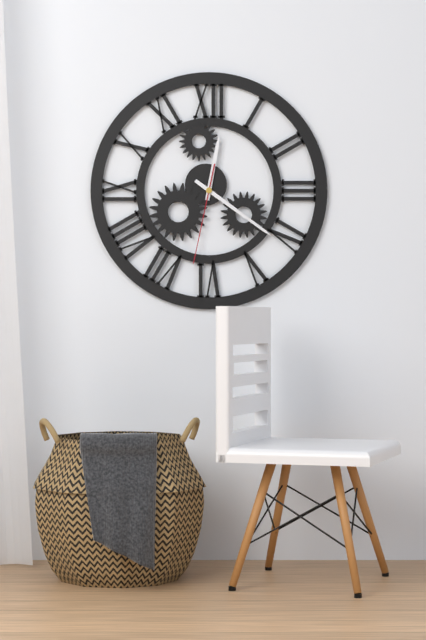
12:21:32
